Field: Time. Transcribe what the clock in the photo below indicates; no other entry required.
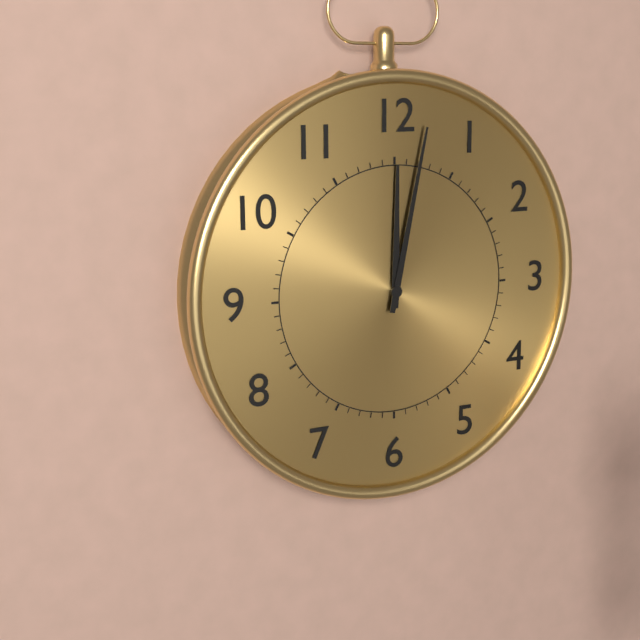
12:02
